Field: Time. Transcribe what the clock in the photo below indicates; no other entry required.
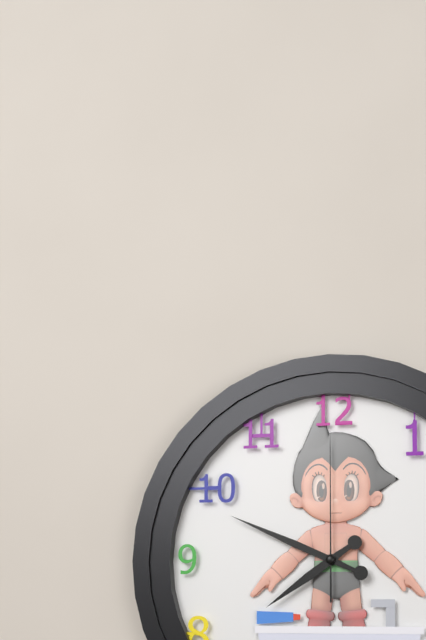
7:49:00
